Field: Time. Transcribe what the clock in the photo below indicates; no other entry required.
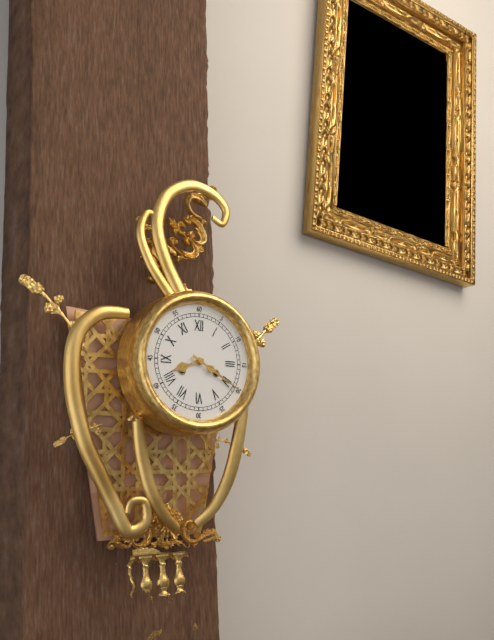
8:20
